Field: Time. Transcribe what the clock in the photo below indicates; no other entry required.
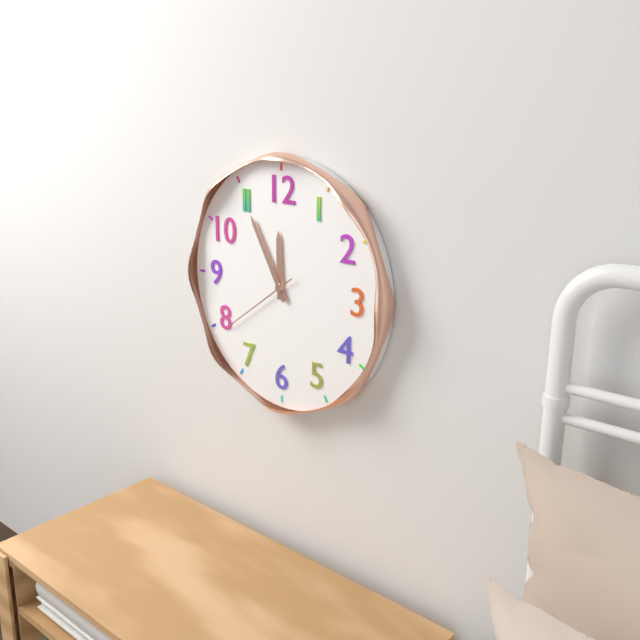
11:55:39
